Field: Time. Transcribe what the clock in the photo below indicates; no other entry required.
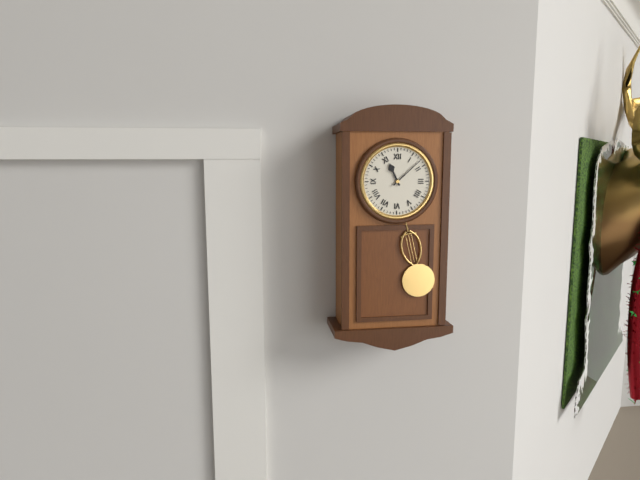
11:08
